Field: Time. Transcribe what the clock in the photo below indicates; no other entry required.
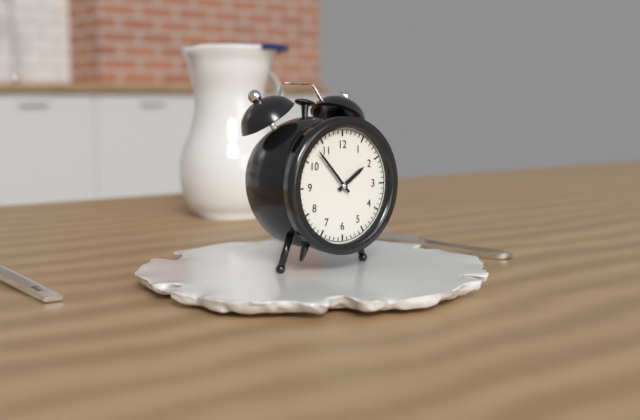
1:53
